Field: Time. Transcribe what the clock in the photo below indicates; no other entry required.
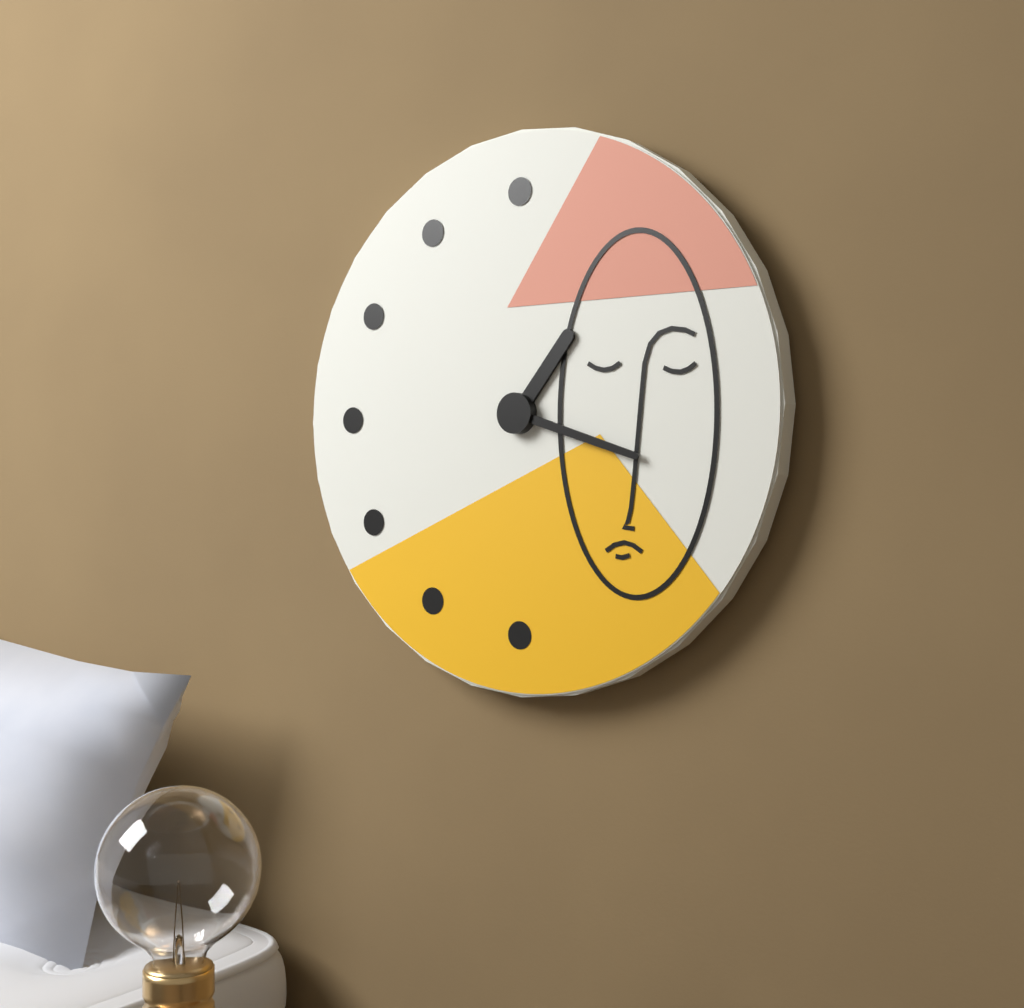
1:18
